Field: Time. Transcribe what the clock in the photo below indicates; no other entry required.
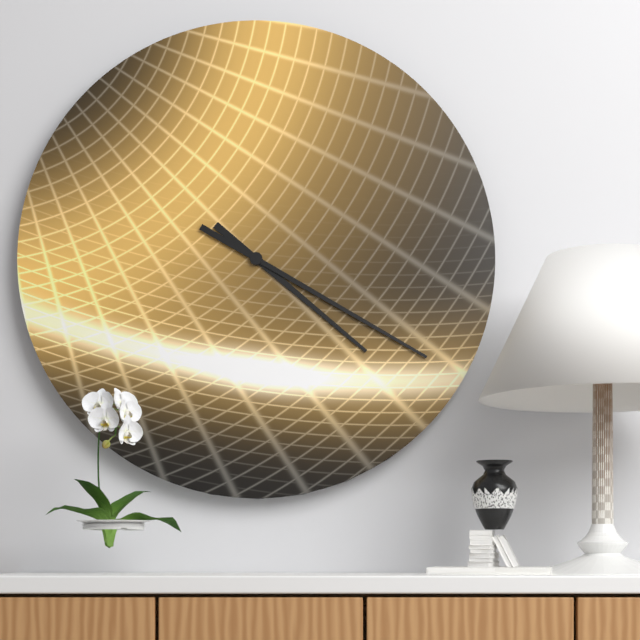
4:20
